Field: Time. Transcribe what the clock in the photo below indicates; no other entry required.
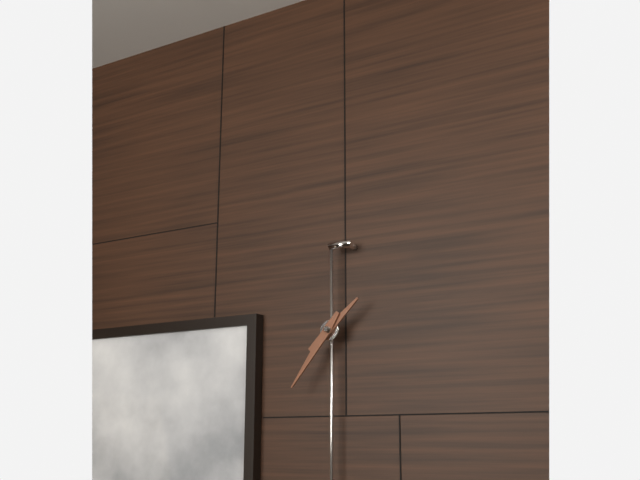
1:36
